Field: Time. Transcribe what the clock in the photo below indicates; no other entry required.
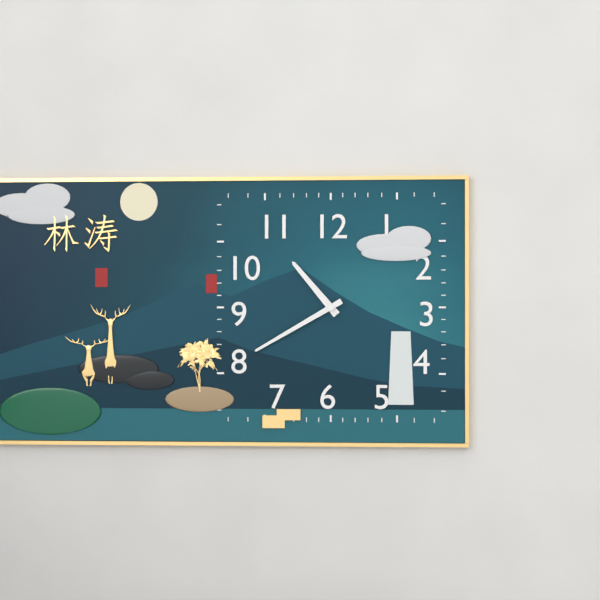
10:40
